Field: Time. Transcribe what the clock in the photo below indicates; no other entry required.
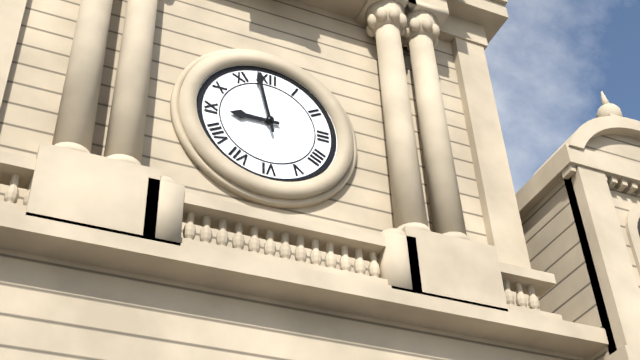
8:58
